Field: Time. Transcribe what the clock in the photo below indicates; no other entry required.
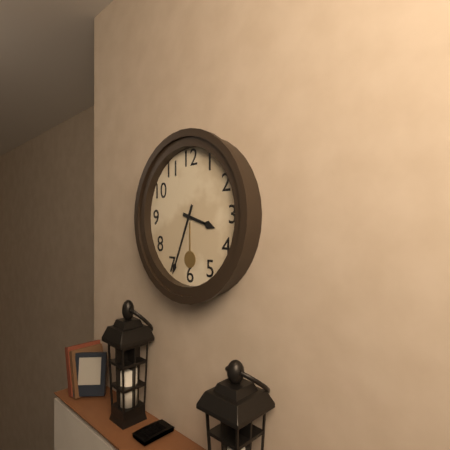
3:34
